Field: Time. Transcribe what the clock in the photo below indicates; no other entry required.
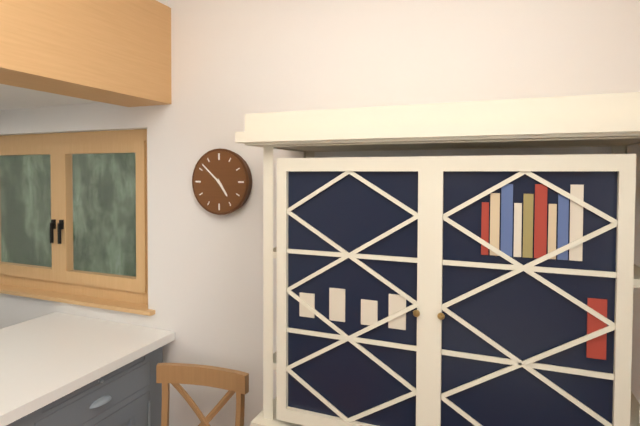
4:52
